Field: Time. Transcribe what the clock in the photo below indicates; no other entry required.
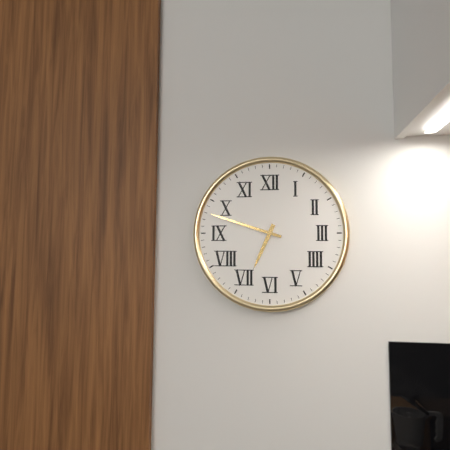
6:48
